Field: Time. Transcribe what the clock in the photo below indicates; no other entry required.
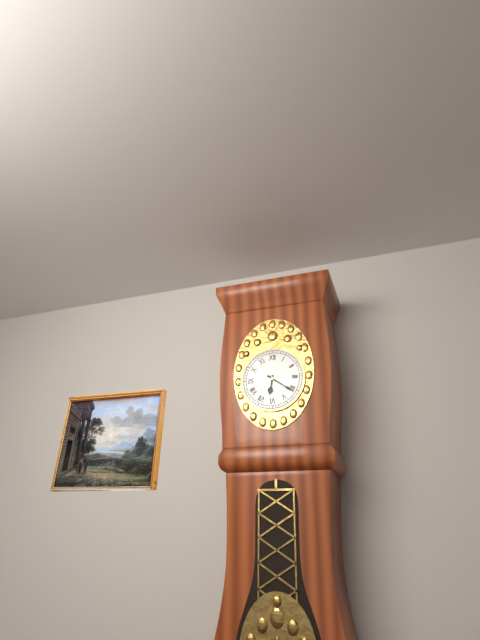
6:21
